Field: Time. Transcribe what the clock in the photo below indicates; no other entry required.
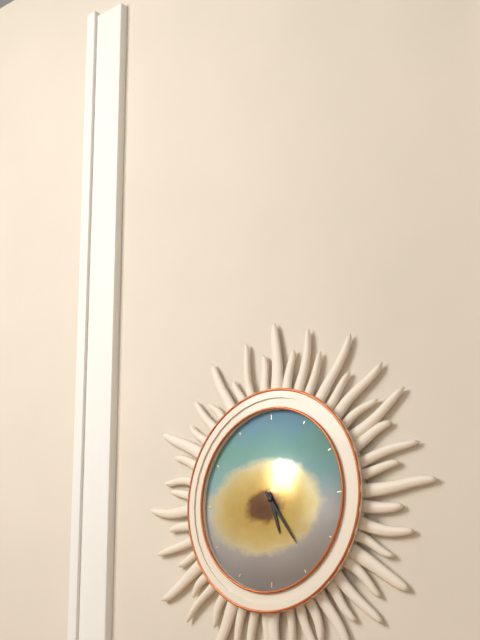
5:24
